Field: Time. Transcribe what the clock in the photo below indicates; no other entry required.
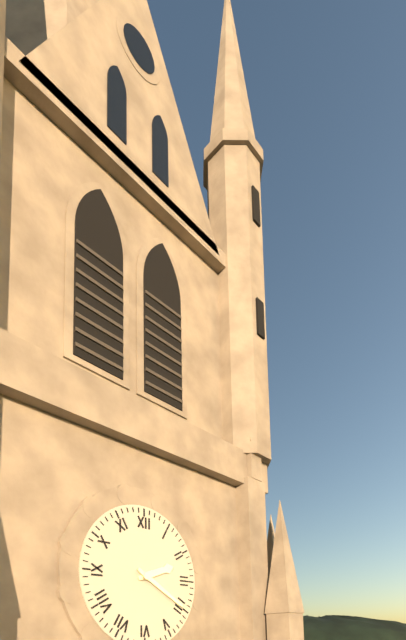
2:20
